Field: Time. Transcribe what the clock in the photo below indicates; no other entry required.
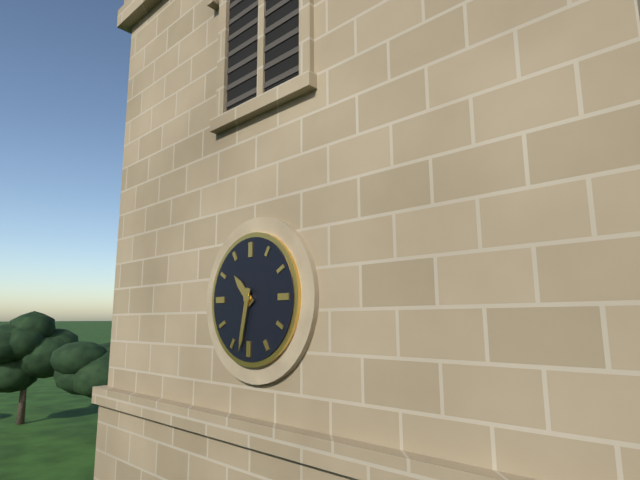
10:32
